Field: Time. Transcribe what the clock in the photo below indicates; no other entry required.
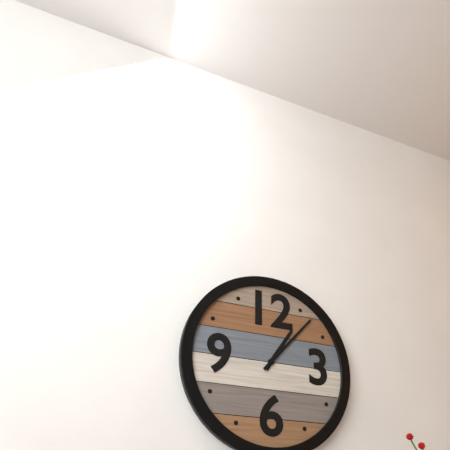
1:07
